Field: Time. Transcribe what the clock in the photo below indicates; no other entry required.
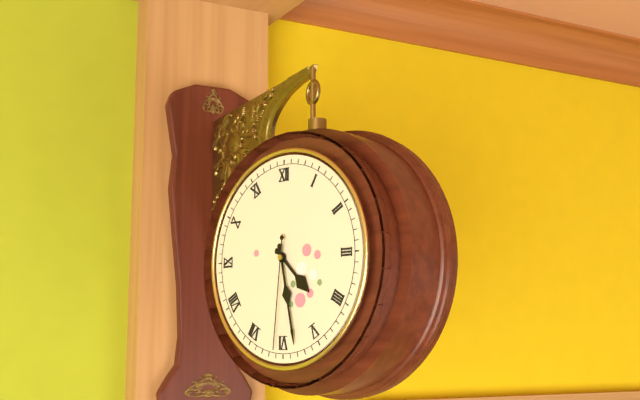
4:28:31
